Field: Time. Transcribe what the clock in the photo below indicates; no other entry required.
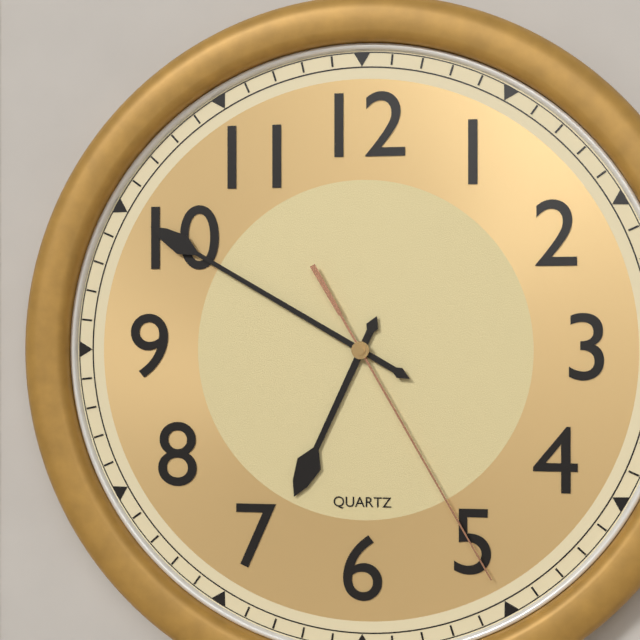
6:50:25
